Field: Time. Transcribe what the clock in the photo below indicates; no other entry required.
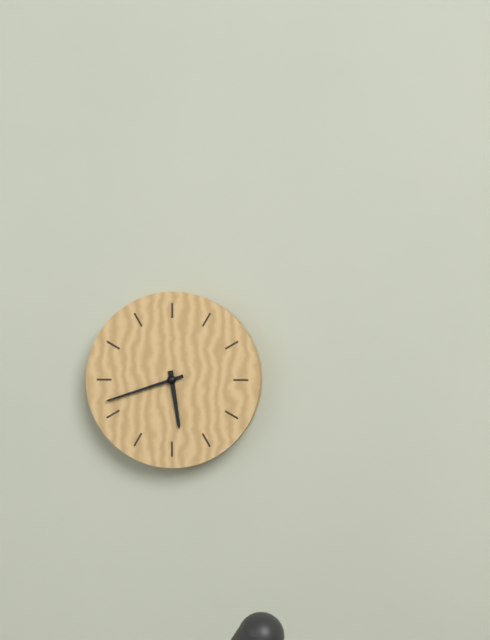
5:42
